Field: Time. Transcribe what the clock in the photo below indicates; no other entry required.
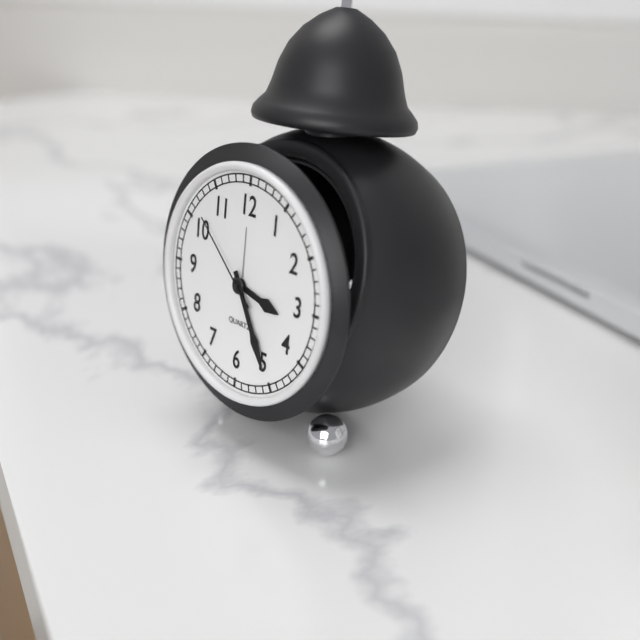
3:25:52
